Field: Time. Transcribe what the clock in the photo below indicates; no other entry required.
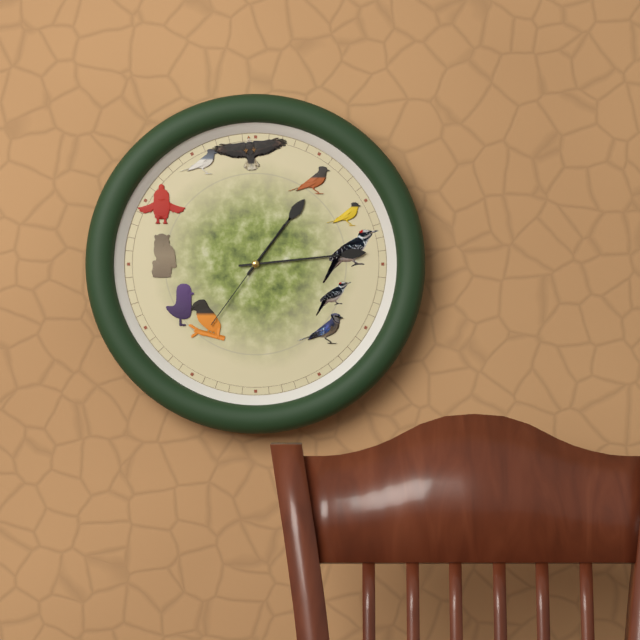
1:14:36
